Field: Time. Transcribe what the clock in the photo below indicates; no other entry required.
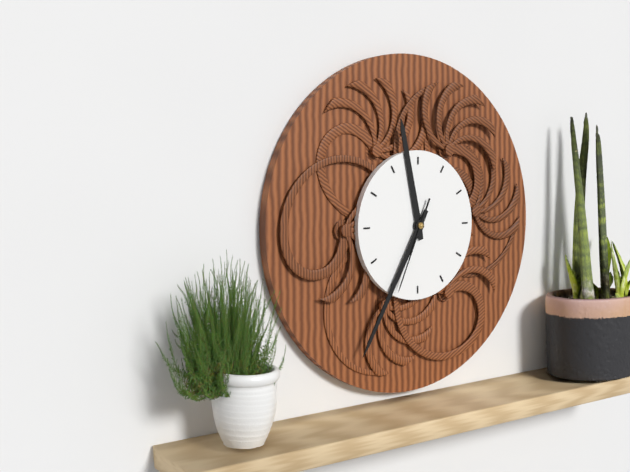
11:35:34
